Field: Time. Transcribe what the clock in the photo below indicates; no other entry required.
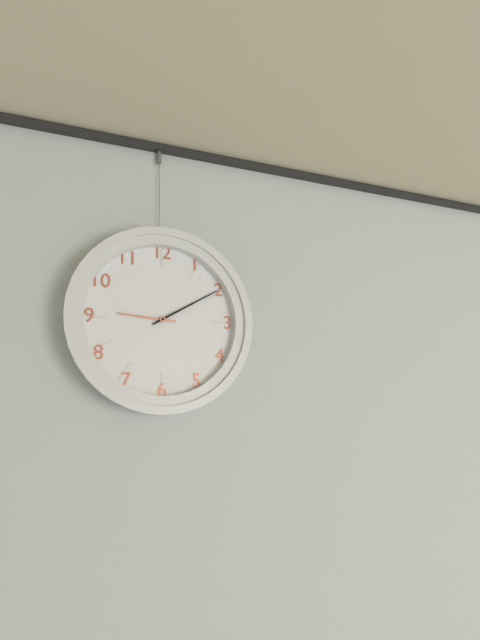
9:10
